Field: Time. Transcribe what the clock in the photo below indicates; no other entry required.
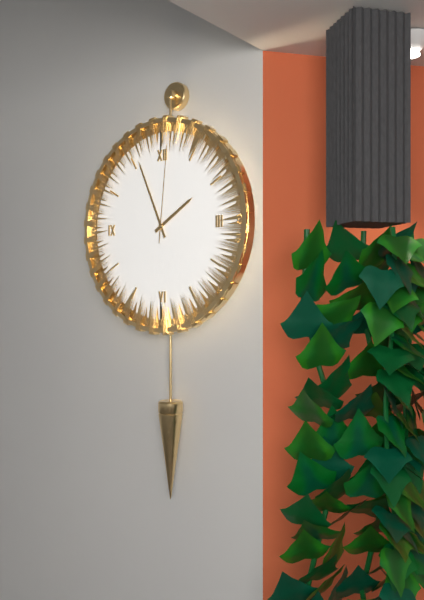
1:56:01
